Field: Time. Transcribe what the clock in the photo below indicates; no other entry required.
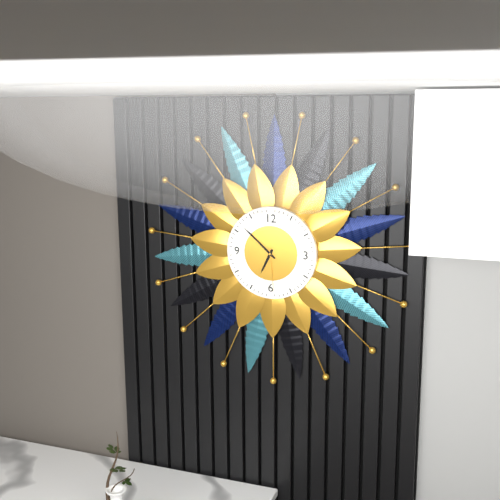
6:52
